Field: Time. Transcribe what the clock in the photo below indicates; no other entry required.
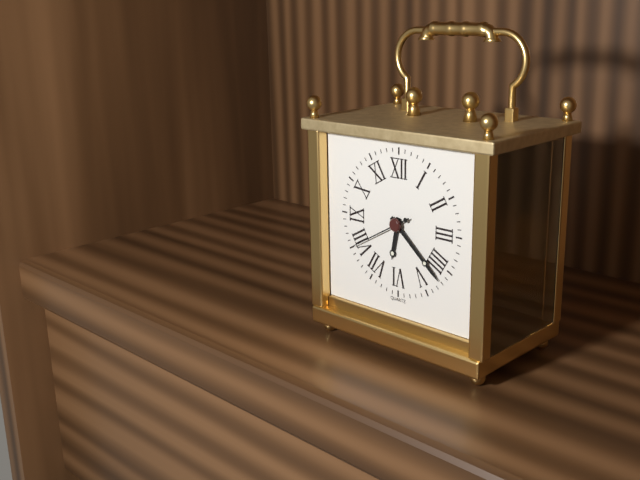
6:22:40
